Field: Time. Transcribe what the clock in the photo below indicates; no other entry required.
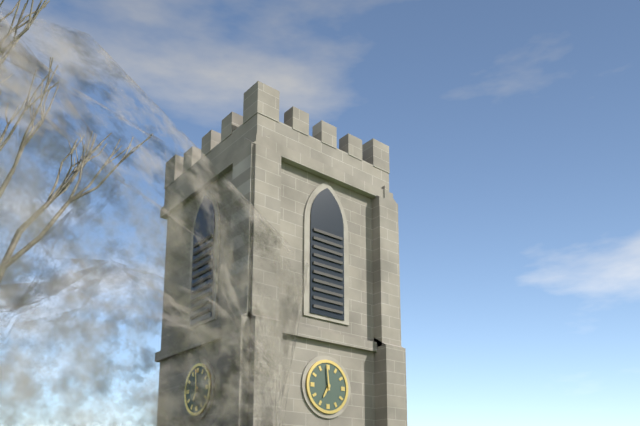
6:59
